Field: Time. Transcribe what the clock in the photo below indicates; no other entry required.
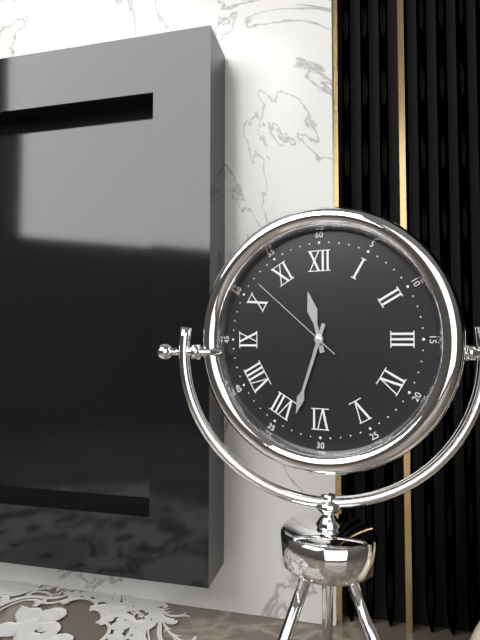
11:33:52
